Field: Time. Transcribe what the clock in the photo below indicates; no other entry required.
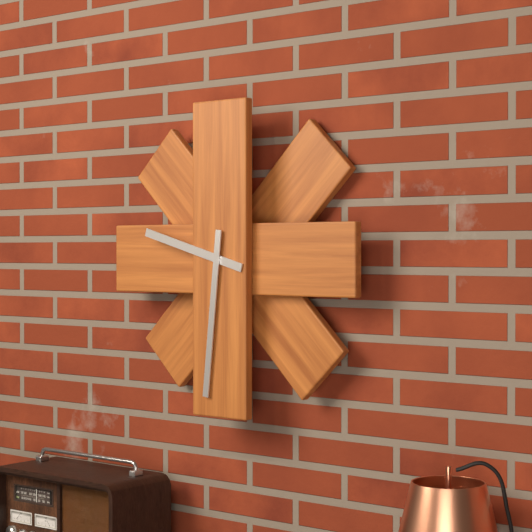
9:31
